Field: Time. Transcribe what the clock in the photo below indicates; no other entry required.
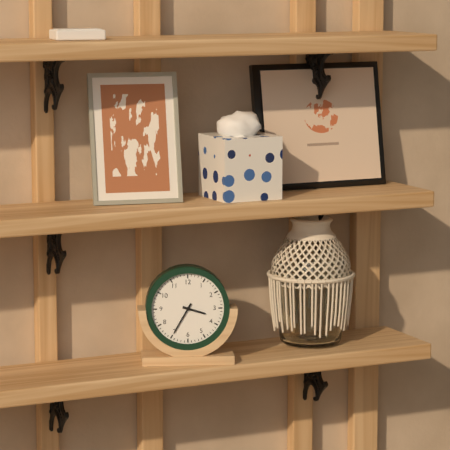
3:35
